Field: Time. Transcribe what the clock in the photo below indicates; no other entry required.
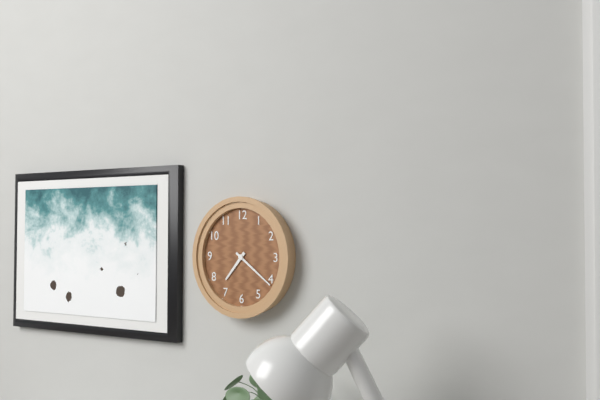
7:21
